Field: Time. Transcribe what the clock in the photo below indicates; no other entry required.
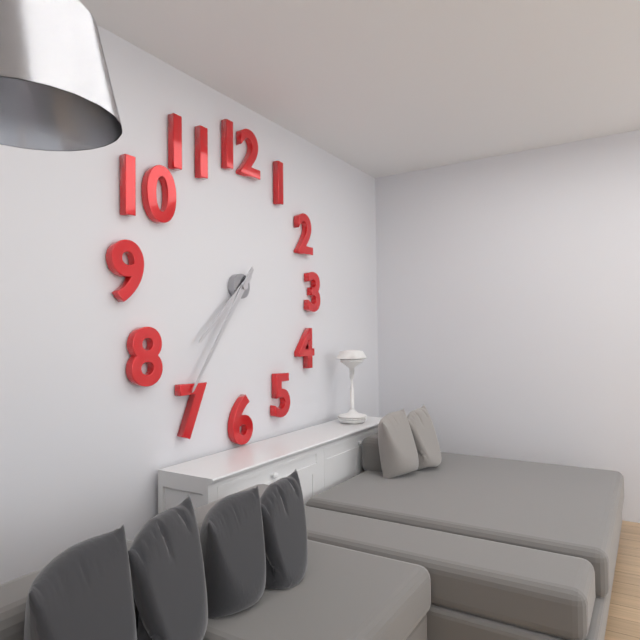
7:36
